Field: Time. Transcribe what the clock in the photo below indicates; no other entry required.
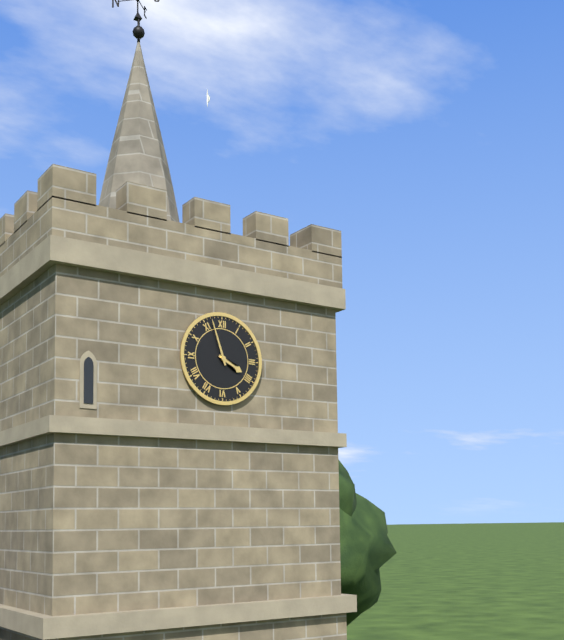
3:57
